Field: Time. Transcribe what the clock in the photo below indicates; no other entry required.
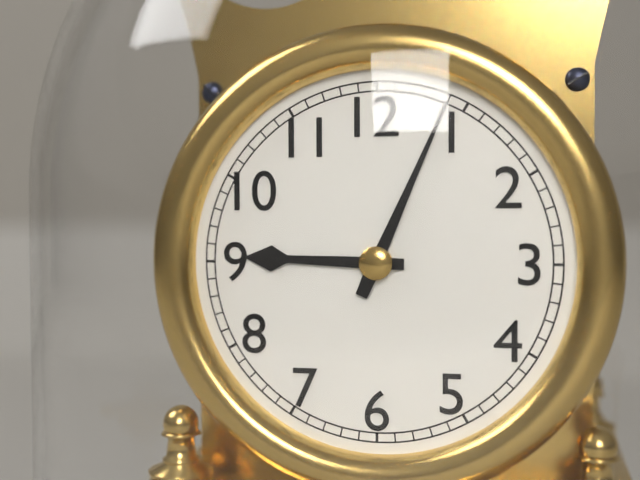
9:04
